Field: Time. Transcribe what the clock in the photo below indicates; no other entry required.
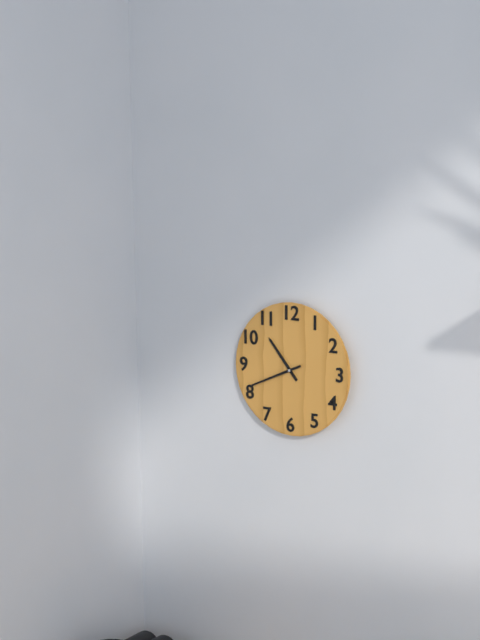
10:41
